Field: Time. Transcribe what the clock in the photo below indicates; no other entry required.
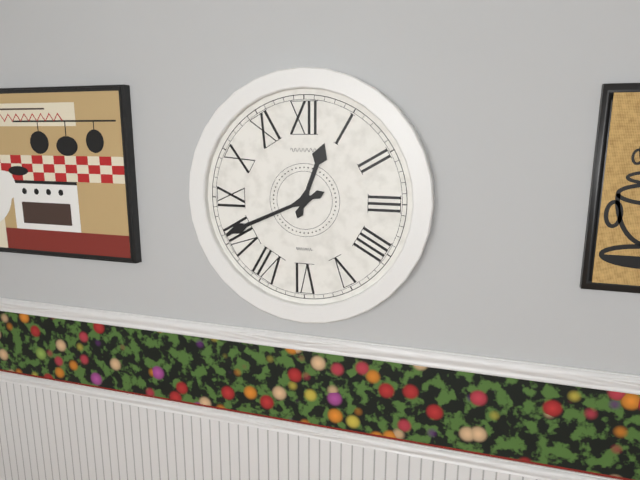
12:41
